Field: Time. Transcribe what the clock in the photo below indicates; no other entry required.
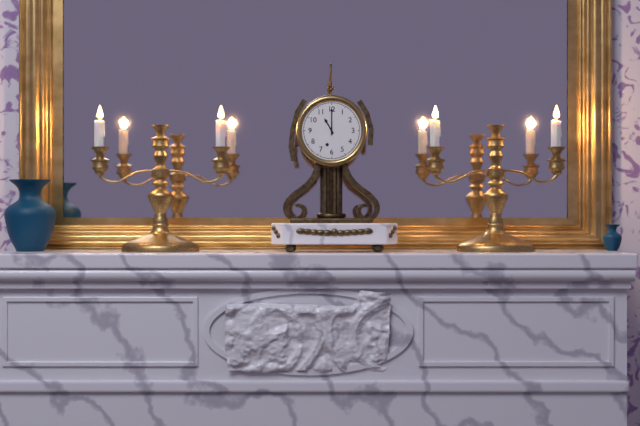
11:00
